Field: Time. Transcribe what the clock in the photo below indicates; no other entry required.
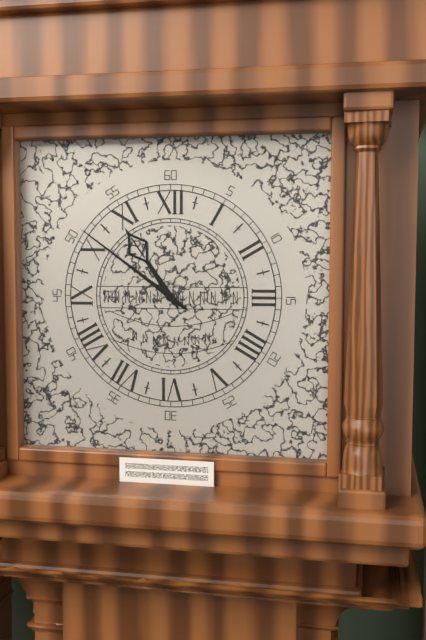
10:51
